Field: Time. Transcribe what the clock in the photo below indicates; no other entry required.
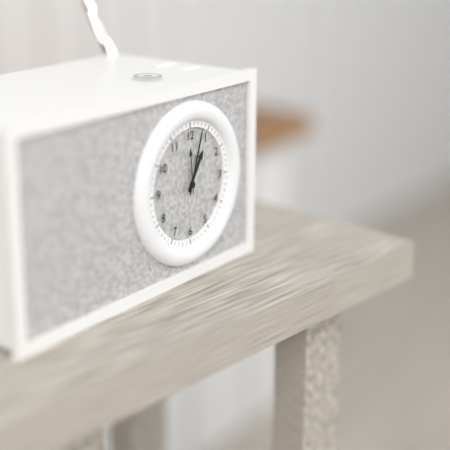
1:03
